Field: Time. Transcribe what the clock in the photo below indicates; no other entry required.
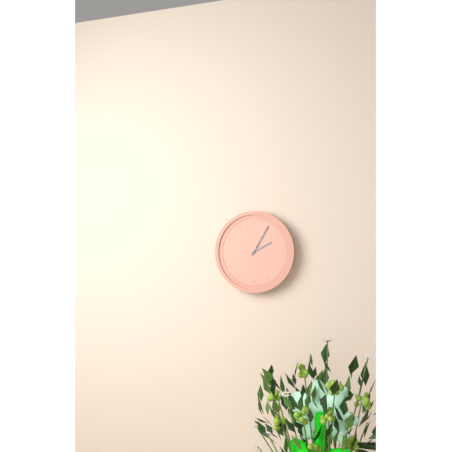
2:05
